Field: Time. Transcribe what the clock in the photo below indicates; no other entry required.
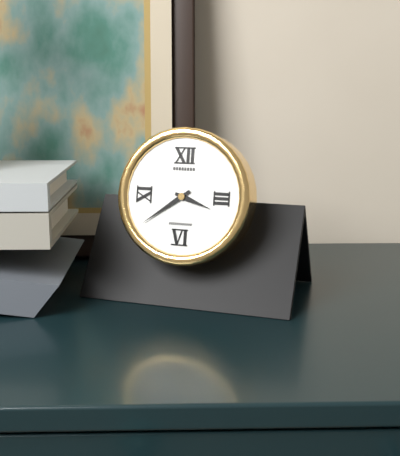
3:39
